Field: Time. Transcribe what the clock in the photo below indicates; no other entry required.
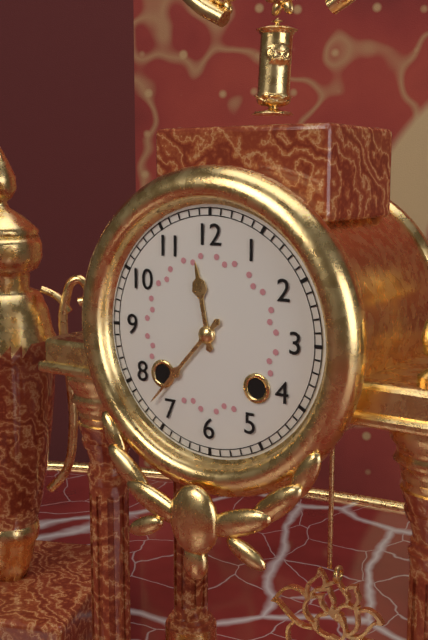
11:37
